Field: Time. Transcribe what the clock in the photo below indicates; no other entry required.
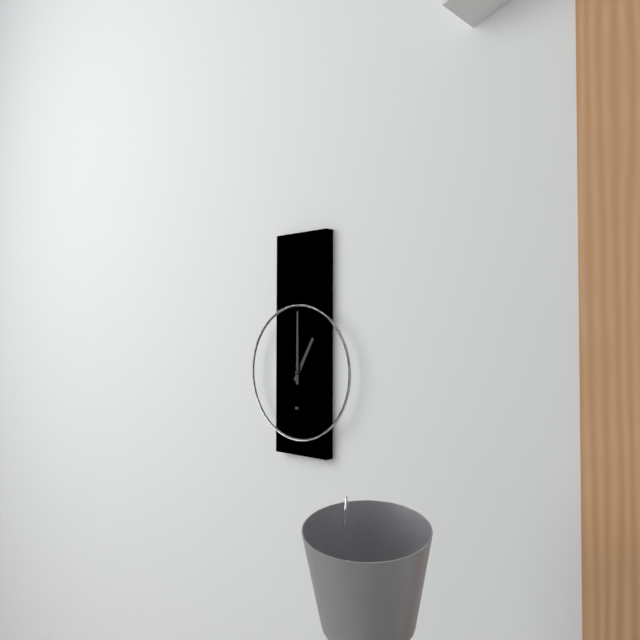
1:00
